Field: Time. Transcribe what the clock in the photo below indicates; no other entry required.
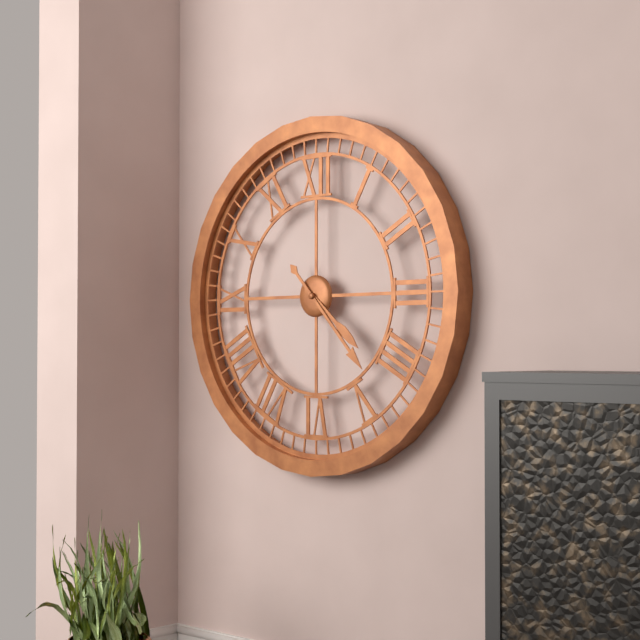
4:23
